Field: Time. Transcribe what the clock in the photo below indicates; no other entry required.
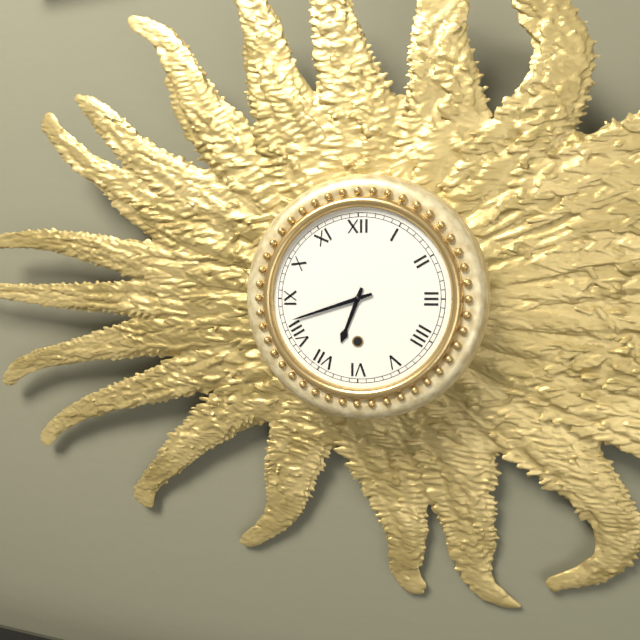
6:42
